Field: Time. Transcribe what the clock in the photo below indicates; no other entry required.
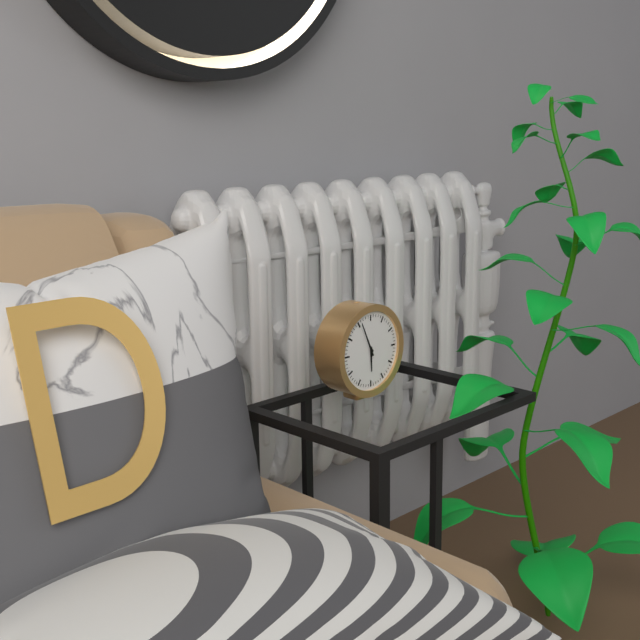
5:56
